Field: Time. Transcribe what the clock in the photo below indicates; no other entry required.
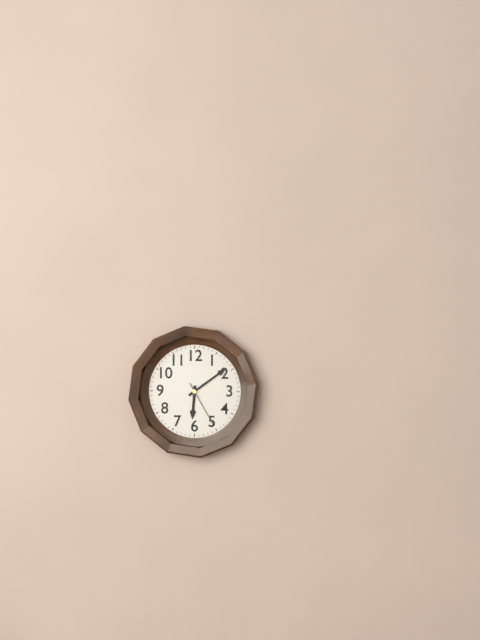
6:09
